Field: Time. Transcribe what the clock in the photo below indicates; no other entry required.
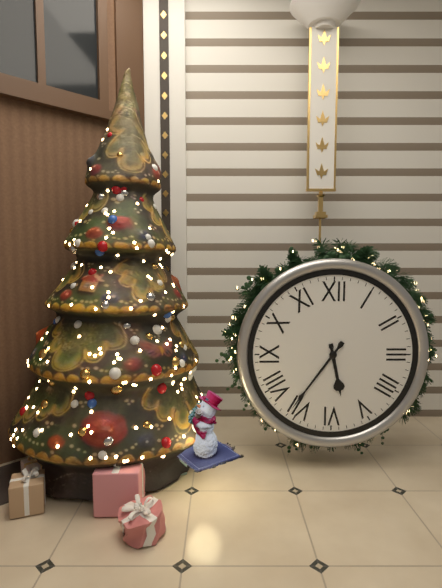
5:36
